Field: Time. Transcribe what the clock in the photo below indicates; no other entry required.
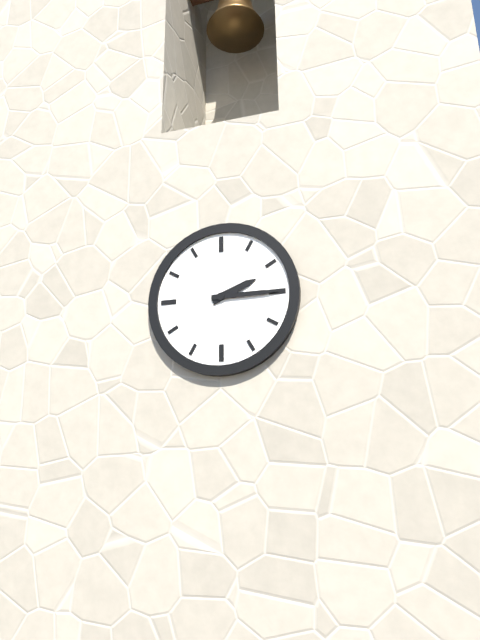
2:15
